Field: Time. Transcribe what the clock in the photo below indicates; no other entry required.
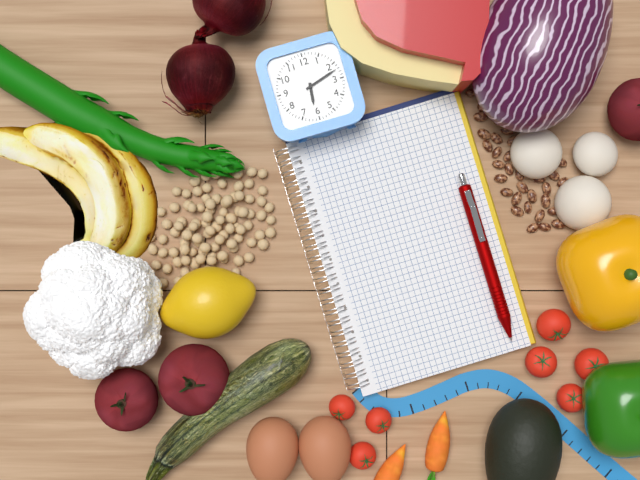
6:12
